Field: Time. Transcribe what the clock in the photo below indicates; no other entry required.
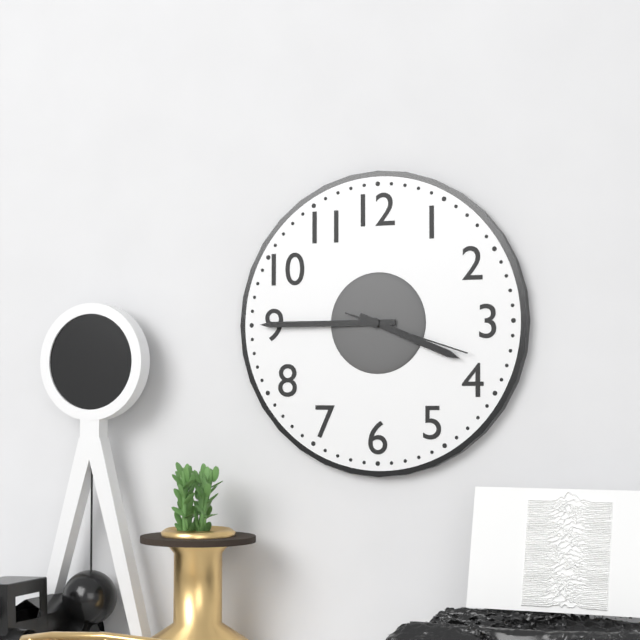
3:45:18
